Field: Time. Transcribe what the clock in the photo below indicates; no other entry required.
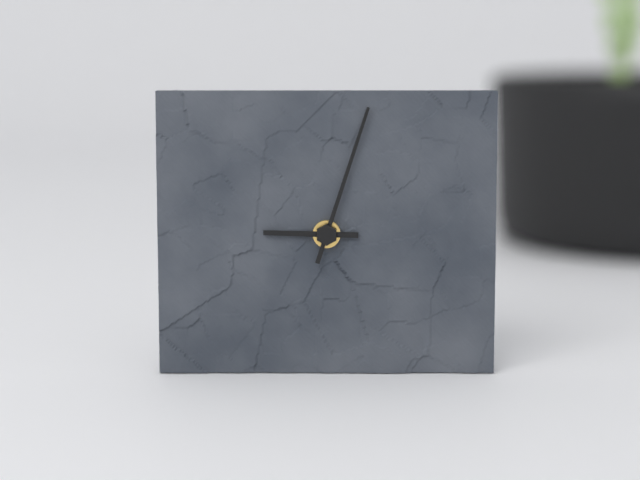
9:03
